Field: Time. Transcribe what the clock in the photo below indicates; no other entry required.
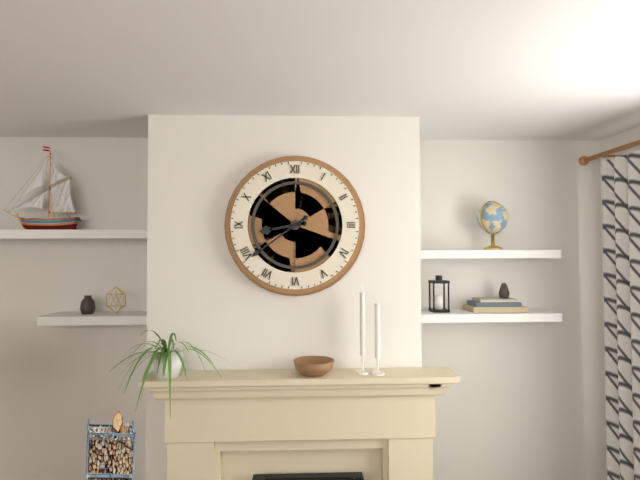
8:39
